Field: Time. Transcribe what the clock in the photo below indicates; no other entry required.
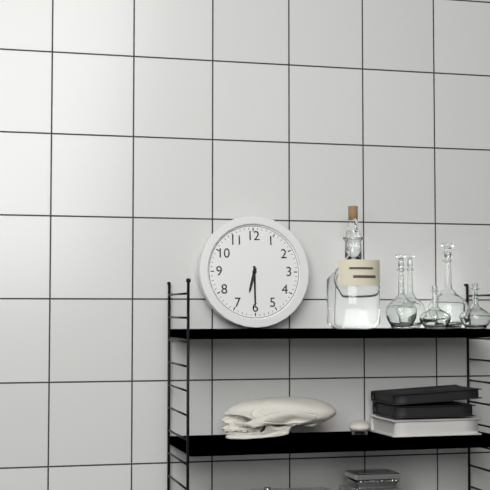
6:30
